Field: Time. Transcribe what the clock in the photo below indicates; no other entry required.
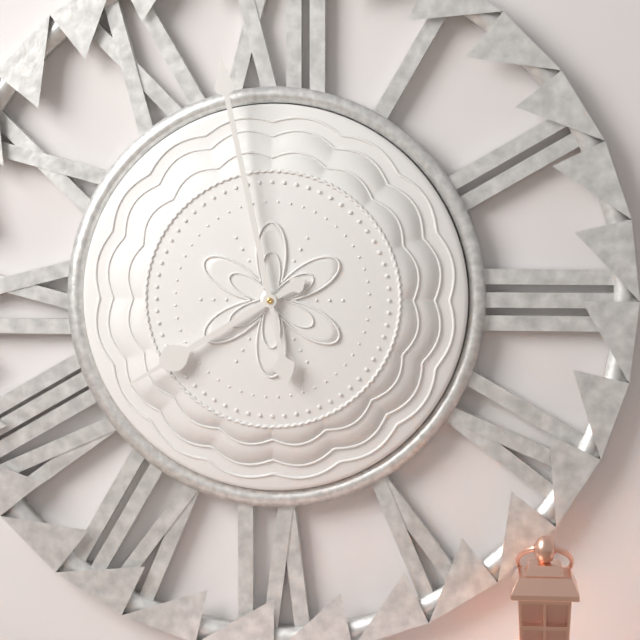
7:58
